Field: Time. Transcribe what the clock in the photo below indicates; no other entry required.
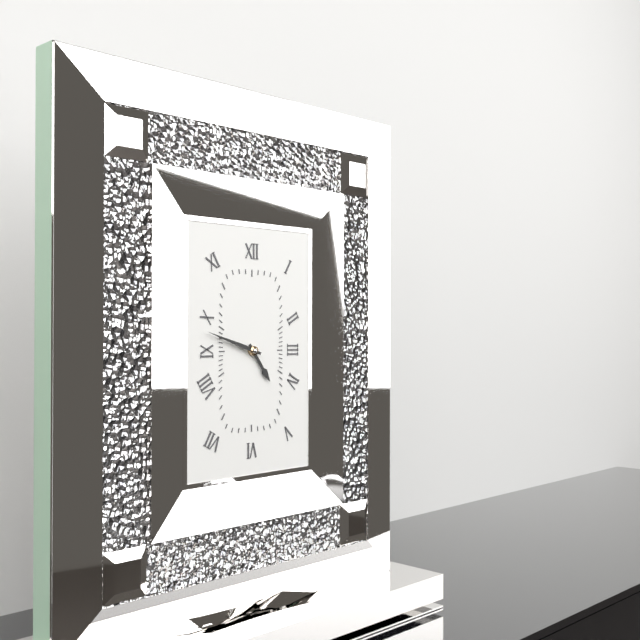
4:48
